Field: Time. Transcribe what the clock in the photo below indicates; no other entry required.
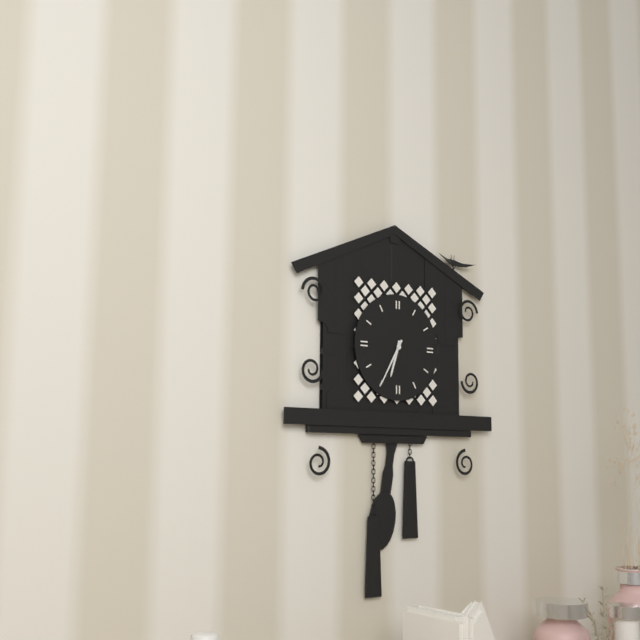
6:35
